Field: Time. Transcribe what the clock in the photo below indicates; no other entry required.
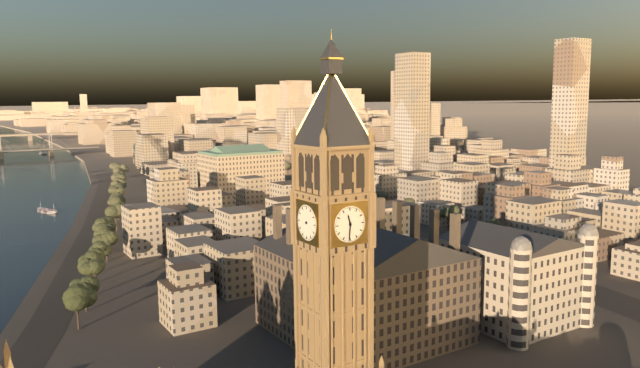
11:31
